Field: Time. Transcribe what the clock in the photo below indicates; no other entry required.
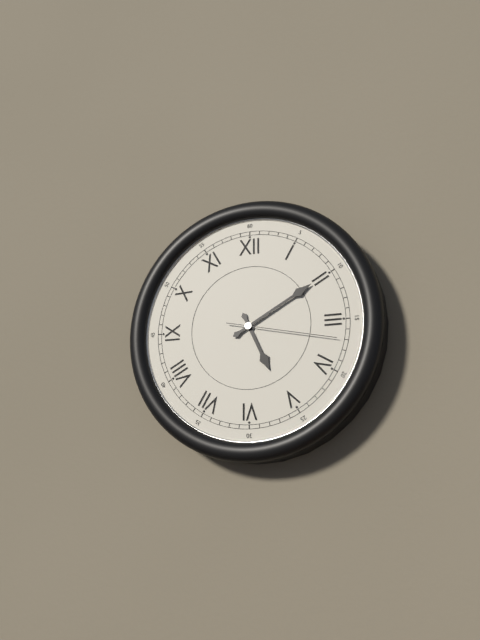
5:10:17
